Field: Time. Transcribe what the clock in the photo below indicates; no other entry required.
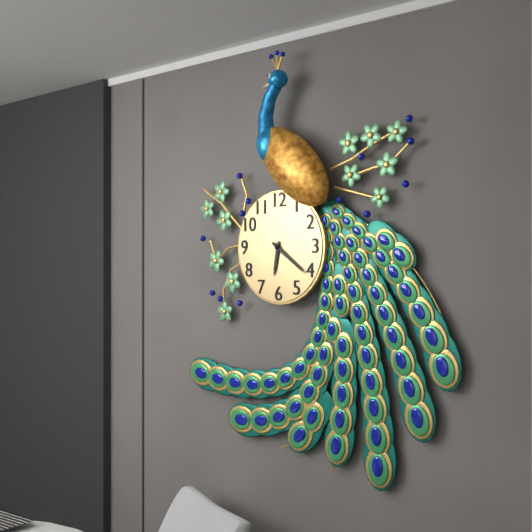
6:21
